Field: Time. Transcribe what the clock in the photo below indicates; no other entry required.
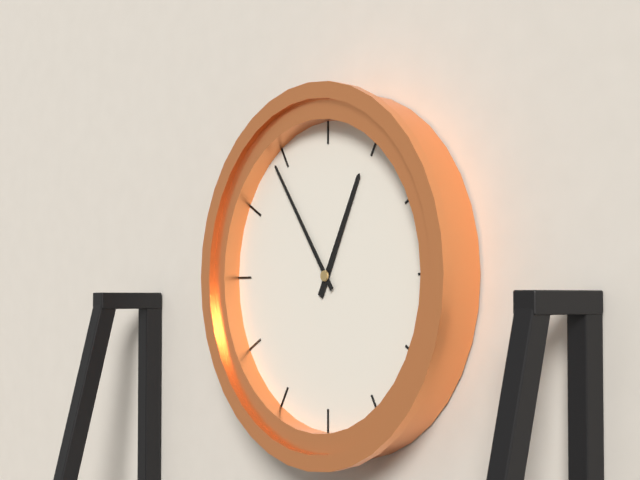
12:54
